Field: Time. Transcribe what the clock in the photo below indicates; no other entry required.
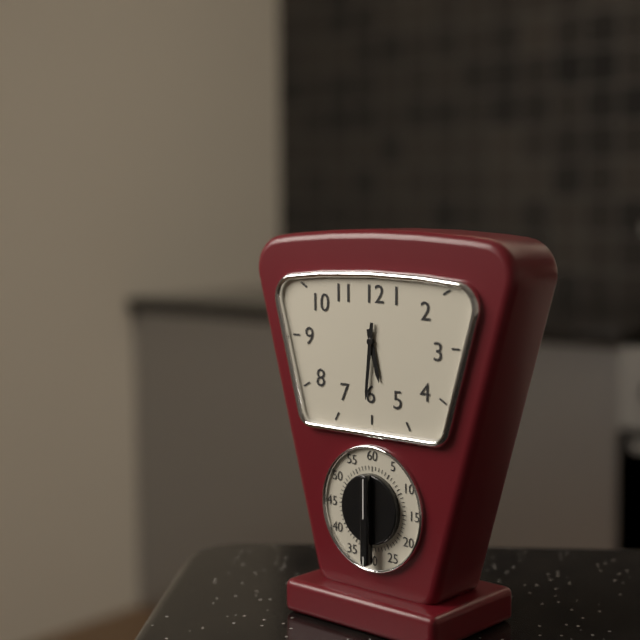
5:31
